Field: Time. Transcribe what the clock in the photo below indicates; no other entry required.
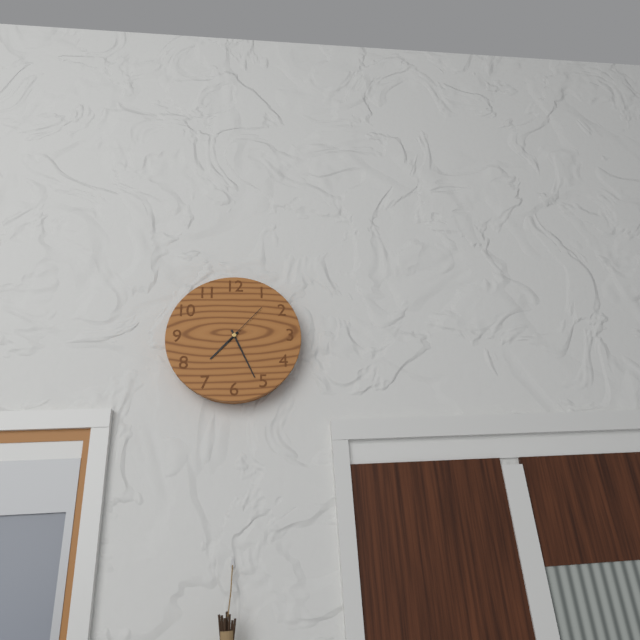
7:26
